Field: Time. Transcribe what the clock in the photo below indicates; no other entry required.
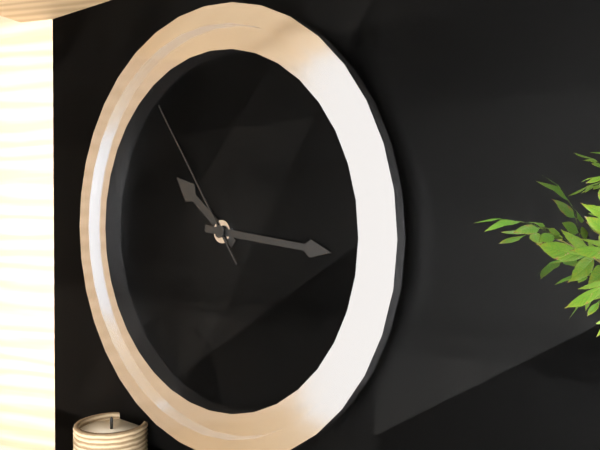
10:16:54
